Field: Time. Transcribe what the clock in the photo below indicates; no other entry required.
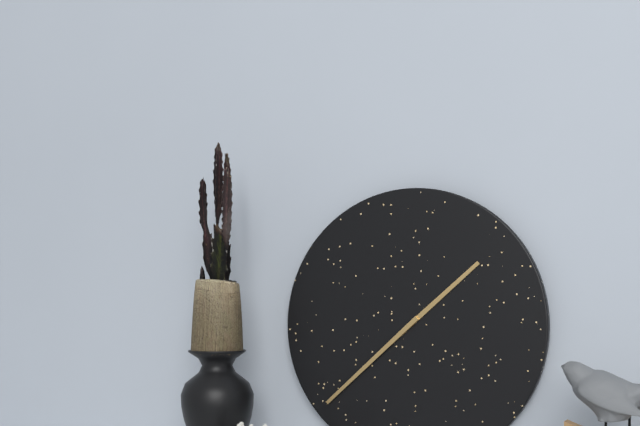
1:38
